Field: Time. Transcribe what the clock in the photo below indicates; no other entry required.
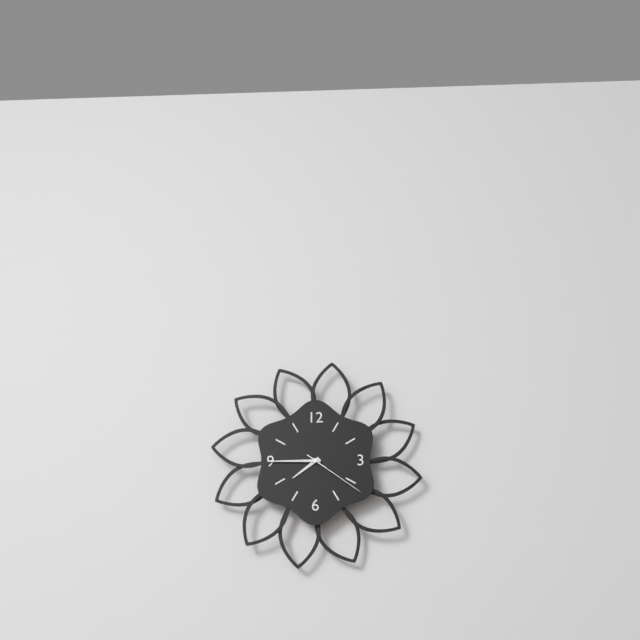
7:45:21
